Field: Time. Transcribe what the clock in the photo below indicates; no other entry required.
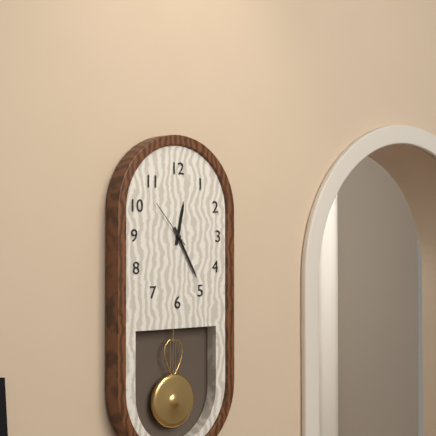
12:25:53
